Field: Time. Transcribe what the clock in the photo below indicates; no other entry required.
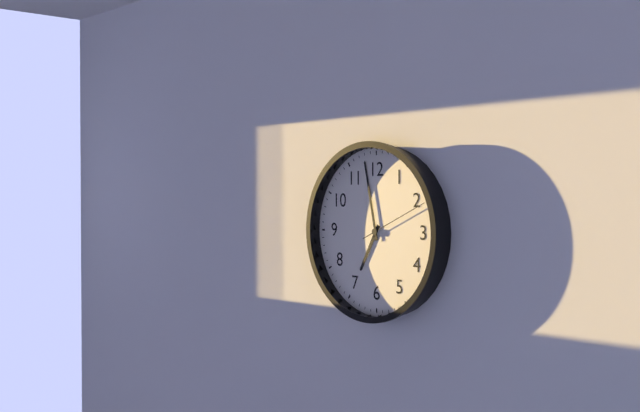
6:58:11
